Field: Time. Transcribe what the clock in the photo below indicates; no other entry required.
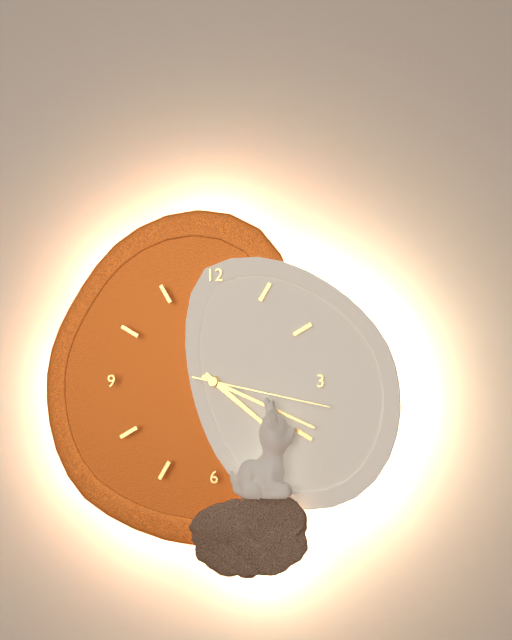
4:19:17
